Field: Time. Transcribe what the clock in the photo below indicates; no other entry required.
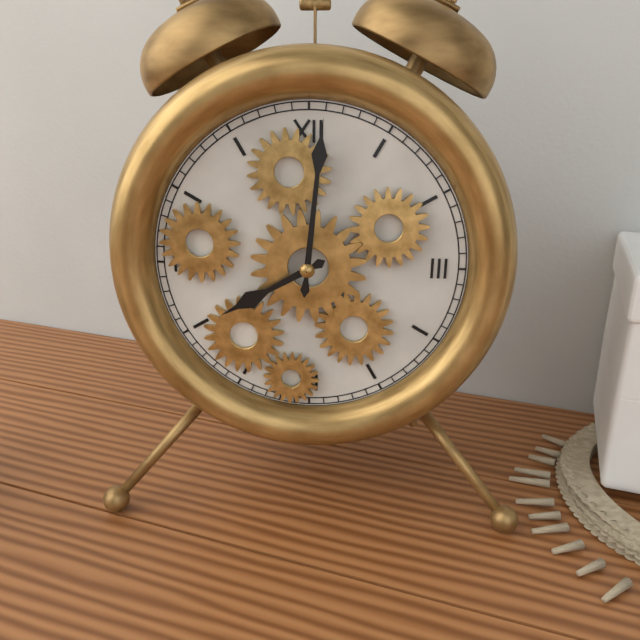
8:01
